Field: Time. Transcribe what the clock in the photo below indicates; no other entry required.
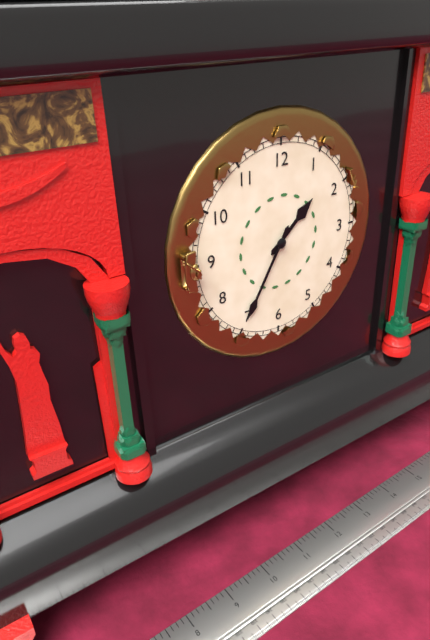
1:35
